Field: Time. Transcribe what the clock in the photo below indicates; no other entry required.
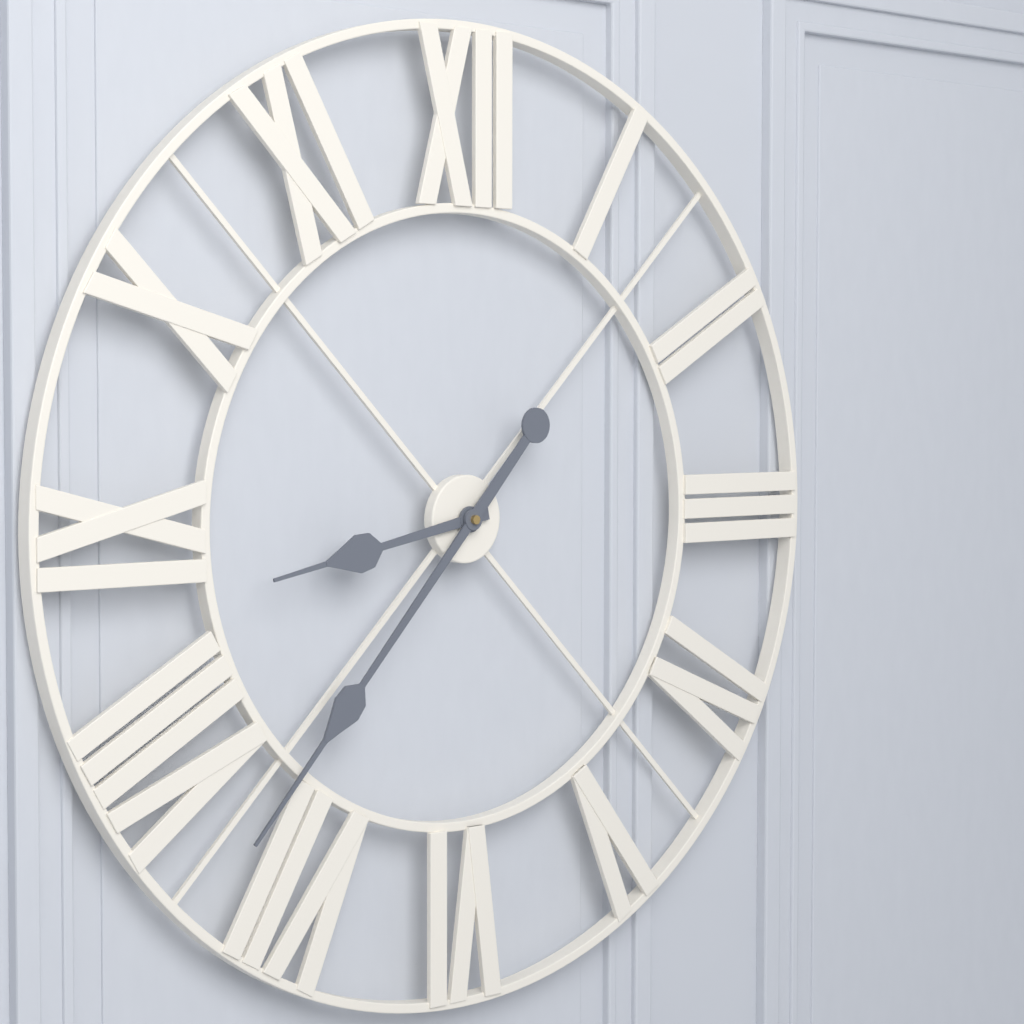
8:37
